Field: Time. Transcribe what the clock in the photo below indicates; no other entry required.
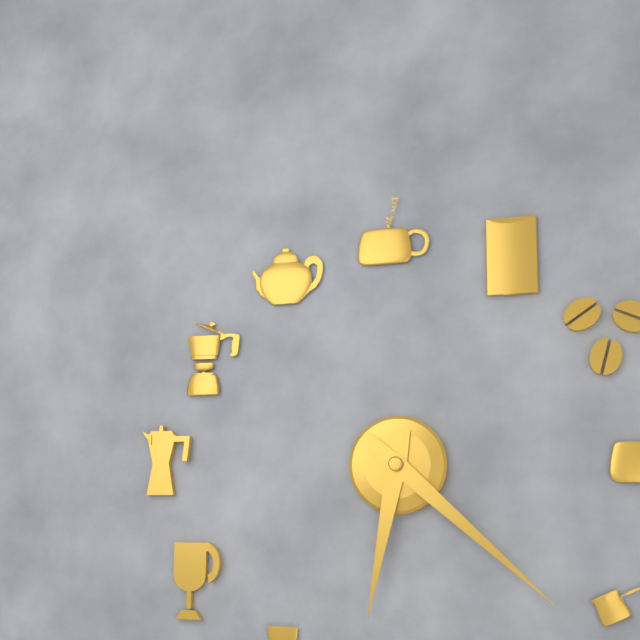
6:22
